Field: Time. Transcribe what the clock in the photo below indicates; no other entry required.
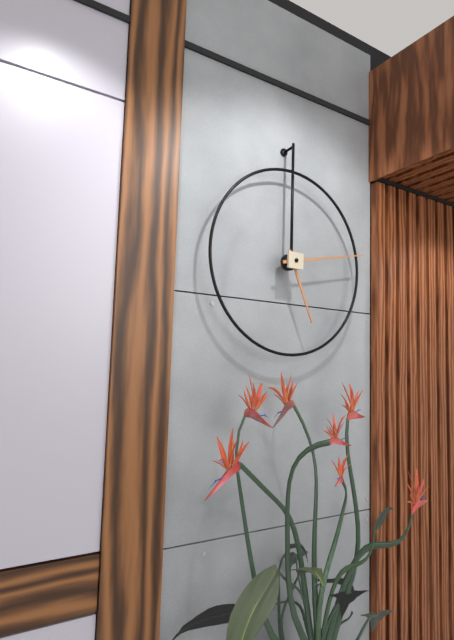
5:13
